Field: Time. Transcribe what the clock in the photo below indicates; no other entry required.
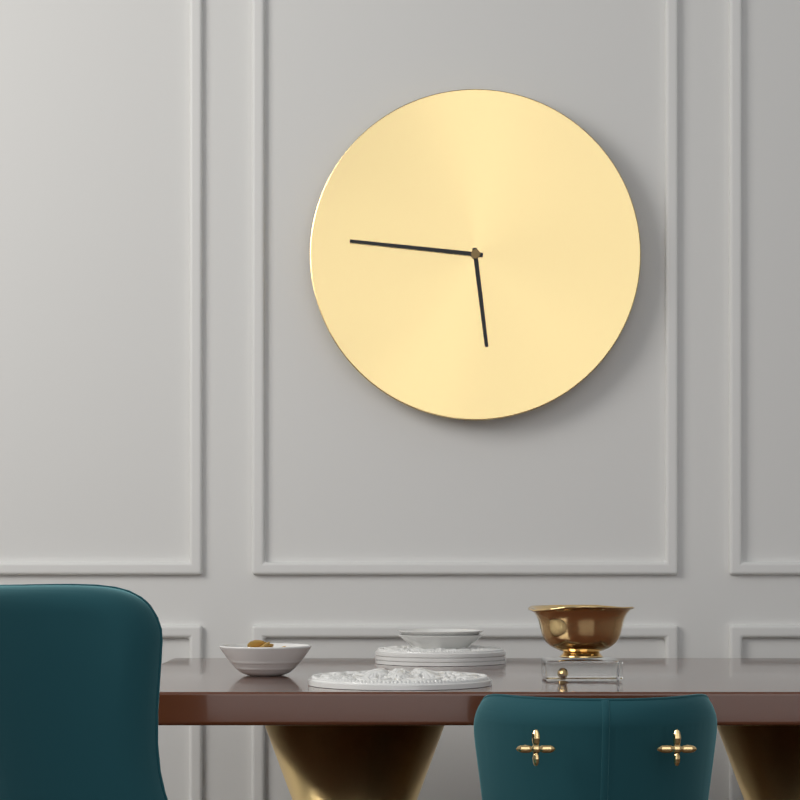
5:46
